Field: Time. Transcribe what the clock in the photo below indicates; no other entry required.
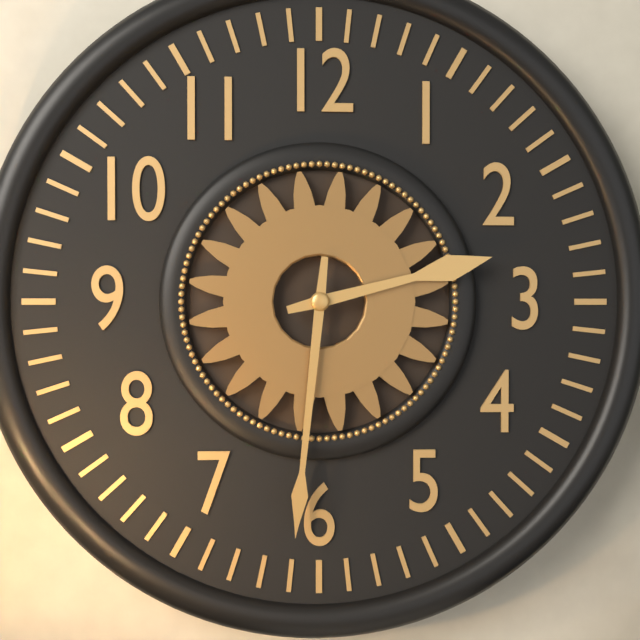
2:31
